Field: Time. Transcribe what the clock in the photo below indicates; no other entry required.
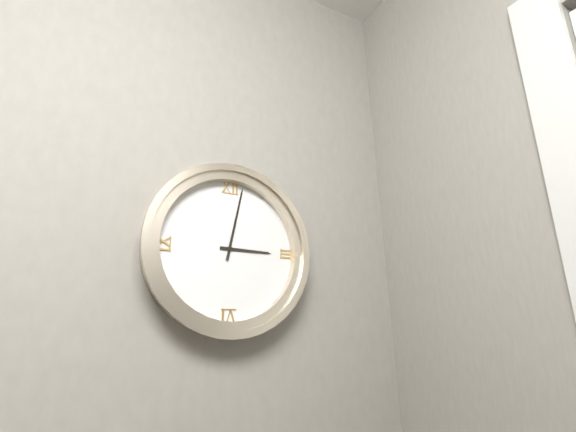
3:02
